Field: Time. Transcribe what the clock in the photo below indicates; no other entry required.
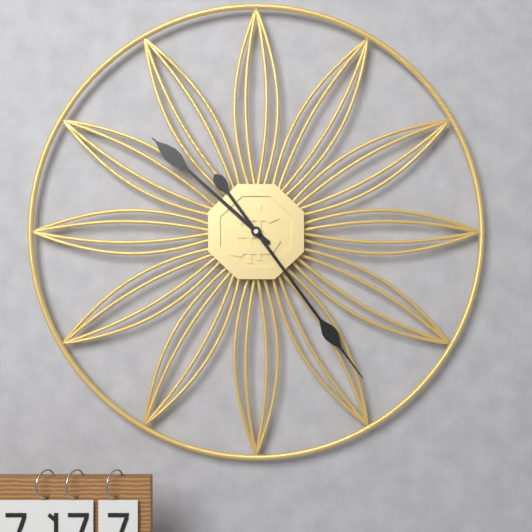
10:24
